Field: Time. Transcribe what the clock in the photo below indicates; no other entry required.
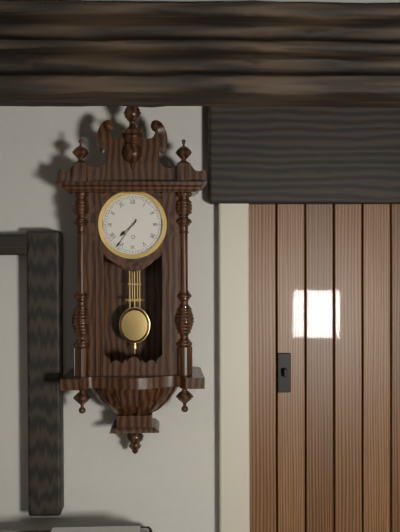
7:36
